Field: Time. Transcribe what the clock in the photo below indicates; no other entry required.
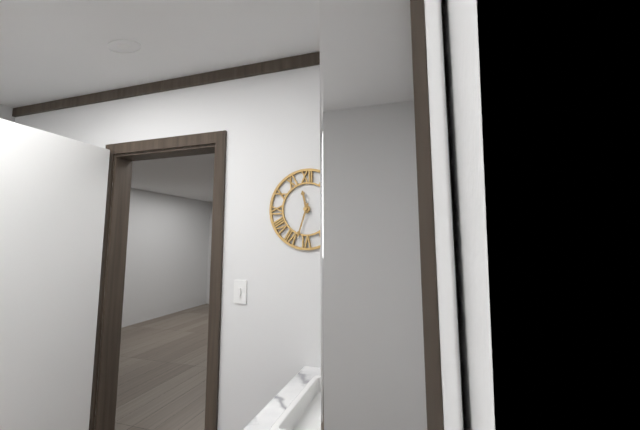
11:33
